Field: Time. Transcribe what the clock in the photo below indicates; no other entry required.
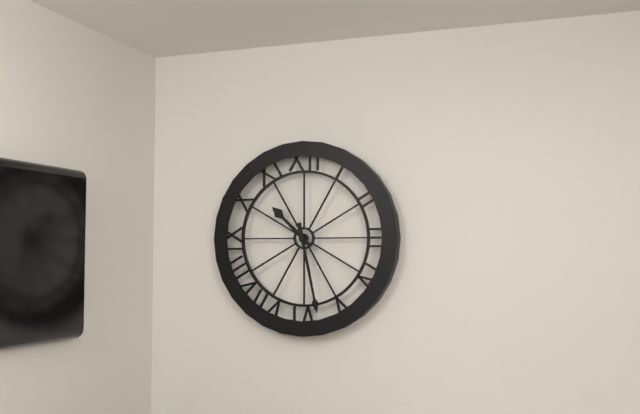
10:28
